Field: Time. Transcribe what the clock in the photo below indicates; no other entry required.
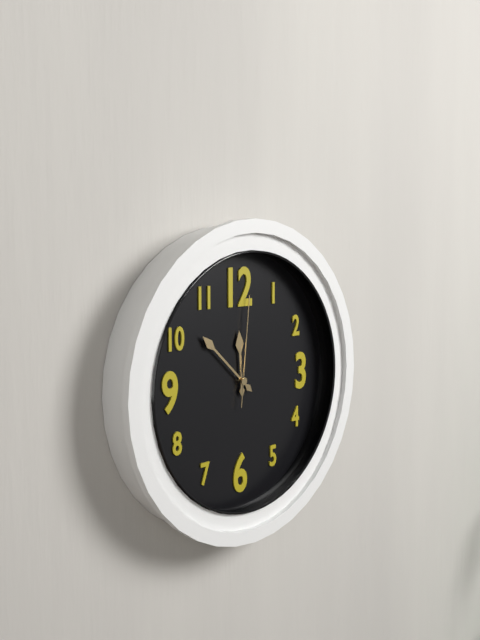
11:52:01
